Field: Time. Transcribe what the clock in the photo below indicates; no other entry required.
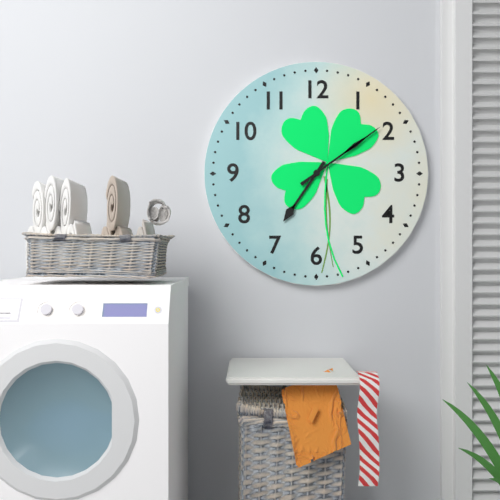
7:09
